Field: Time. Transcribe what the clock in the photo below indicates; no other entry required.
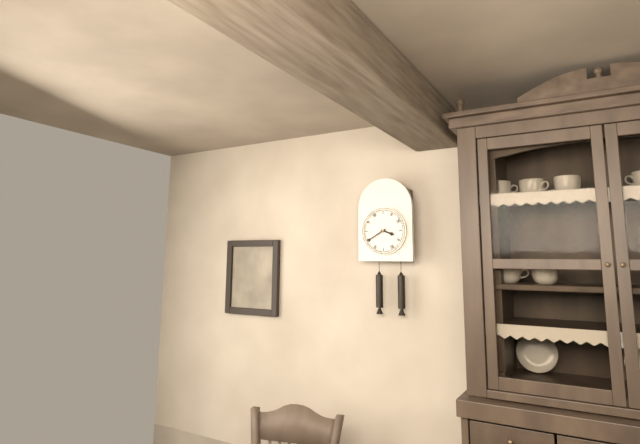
3:40
